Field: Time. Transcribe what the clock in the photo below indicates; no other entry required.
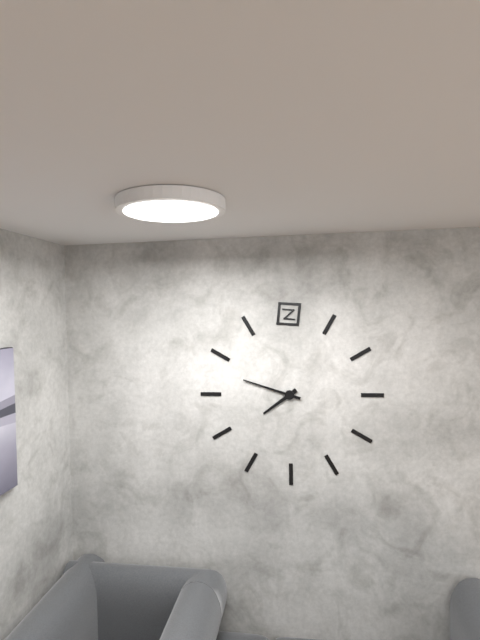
7:48
